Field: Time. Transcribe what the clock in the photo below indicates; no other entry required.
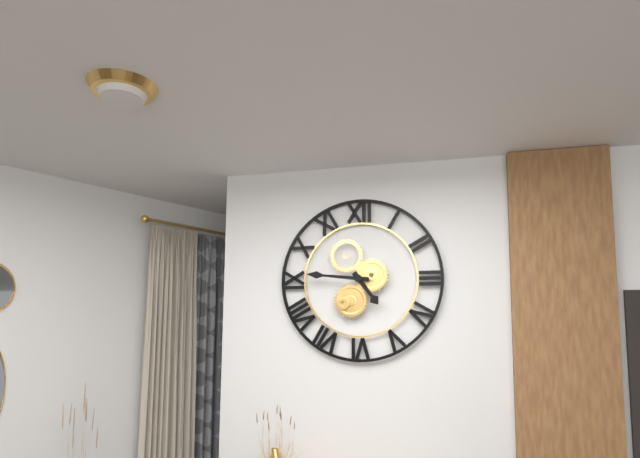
4:46
